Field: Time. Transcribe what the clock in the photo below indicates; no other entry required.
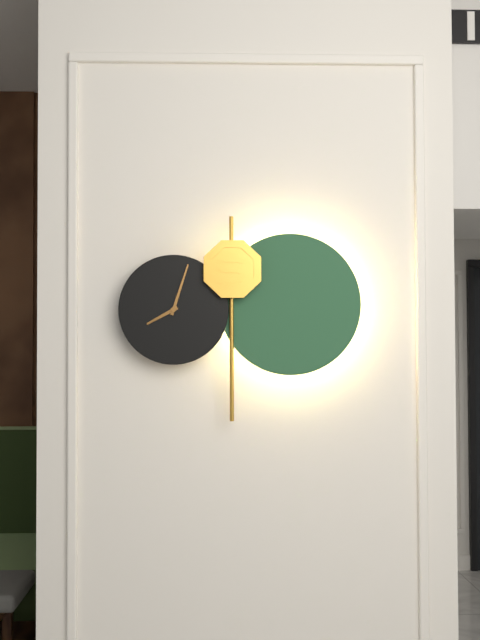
8:03
